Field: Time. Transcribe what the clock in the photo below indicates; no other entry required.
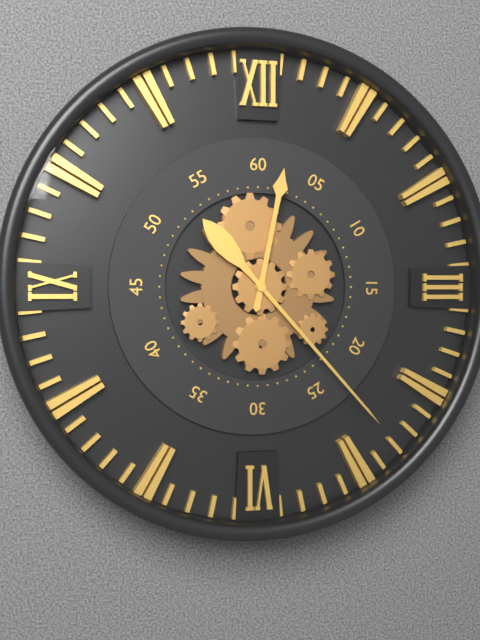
12:23
